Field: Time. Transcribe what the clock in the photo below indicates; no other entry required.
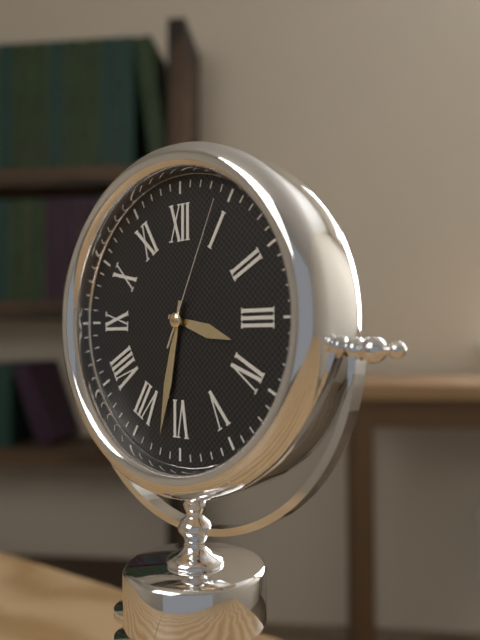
3:32:04
